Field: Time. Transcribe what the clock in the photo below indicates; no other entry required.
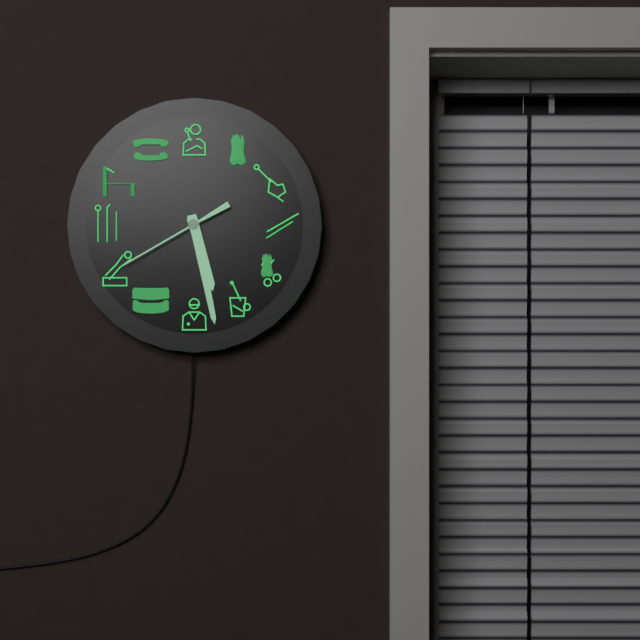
5:28:40
